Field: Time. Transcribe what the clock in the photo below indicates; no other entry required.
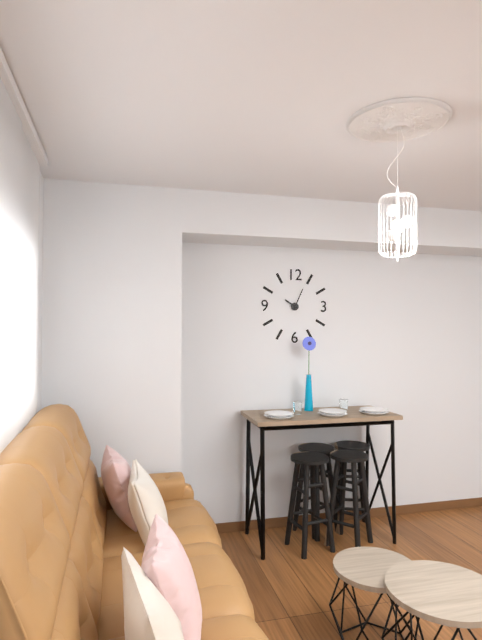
10:04
